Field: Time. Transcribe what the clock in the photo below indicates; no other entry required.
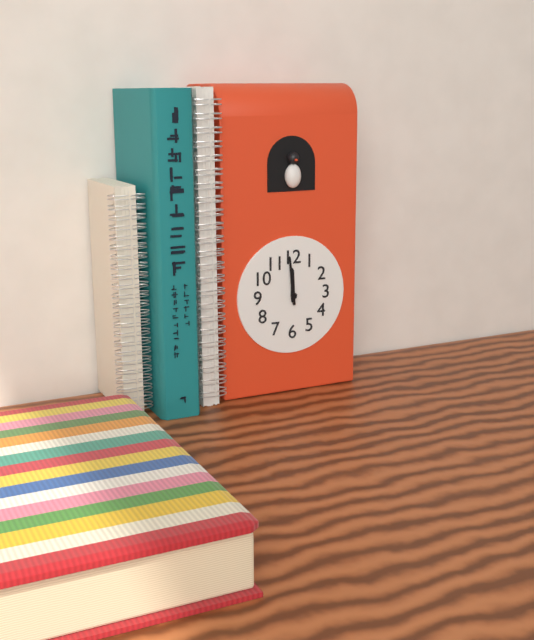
11:59
